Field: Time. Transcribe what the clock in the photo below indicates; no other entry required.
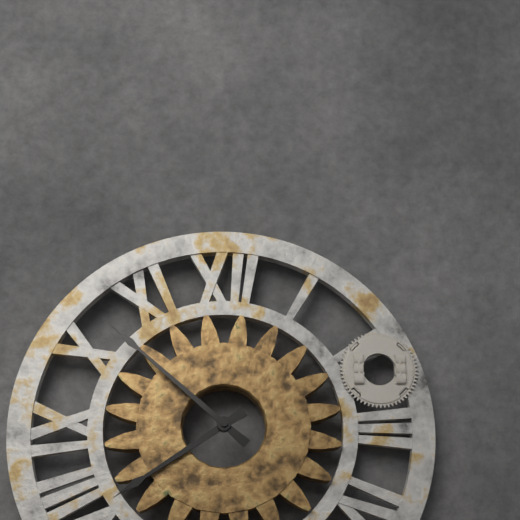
7:52
